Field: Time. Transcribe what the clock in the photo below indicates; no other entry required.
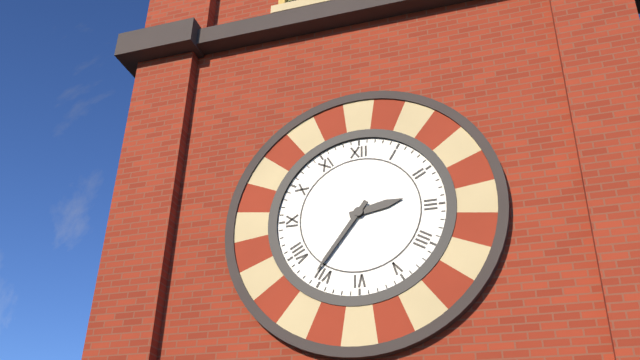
2:36
